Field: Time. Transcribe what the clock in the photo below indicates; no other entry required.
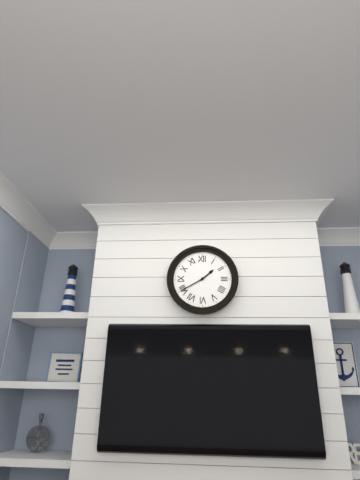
1:40
